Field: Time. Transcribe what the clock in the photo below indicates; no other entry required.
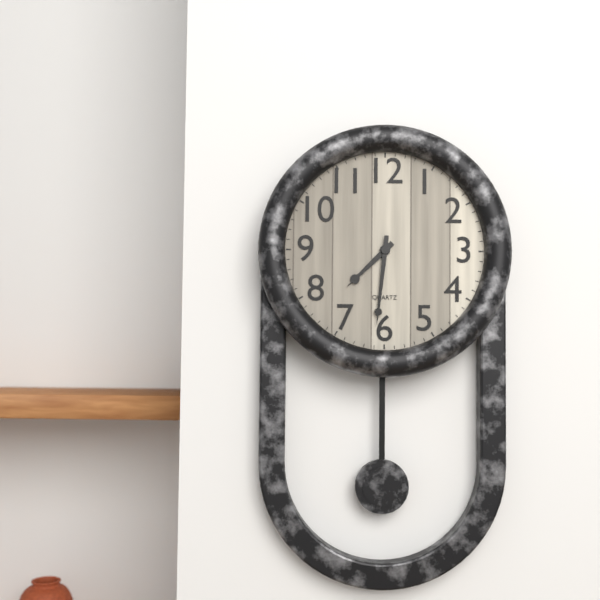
7:31
